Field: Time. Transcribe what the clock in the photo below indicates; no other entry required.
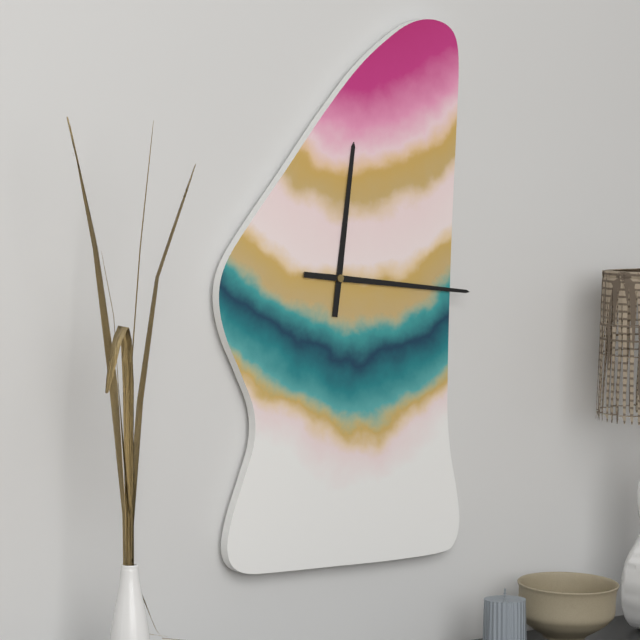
12:16
